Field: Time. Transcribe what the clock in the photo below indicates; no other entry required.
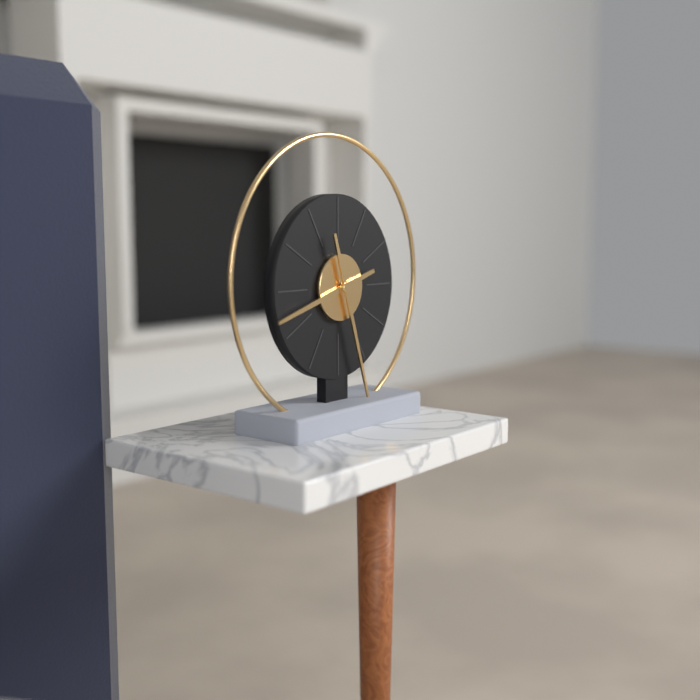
8:27
